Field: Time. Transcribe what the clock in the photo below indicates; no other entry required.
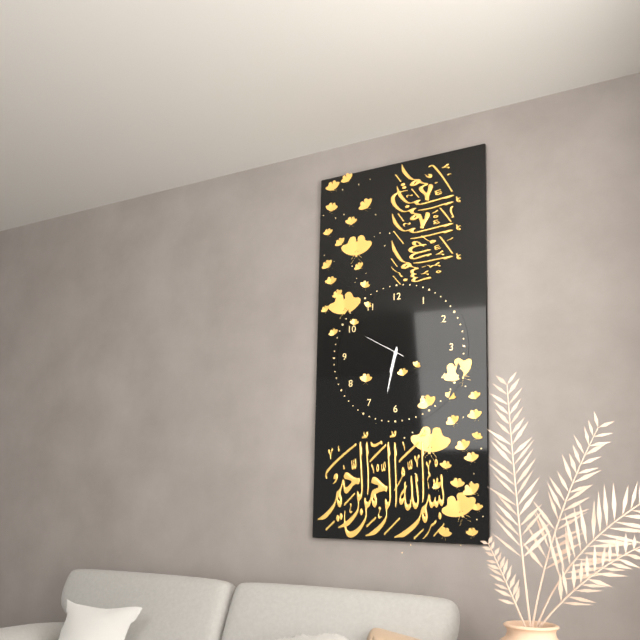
6:32
